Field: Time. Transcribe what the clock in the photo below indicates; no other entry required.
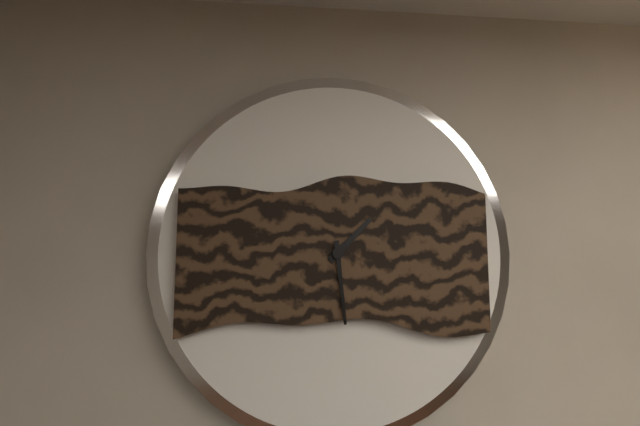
1:29
